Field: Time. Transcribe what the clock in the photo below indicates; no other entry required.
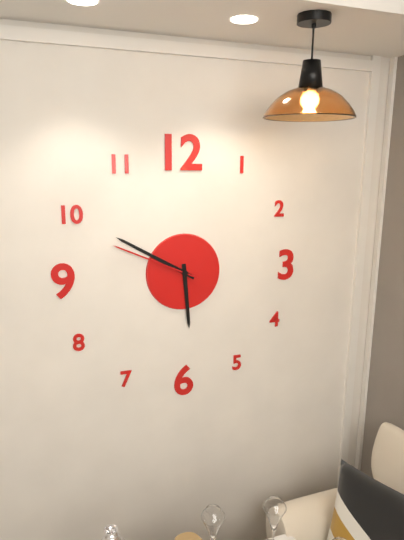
5:50:49
